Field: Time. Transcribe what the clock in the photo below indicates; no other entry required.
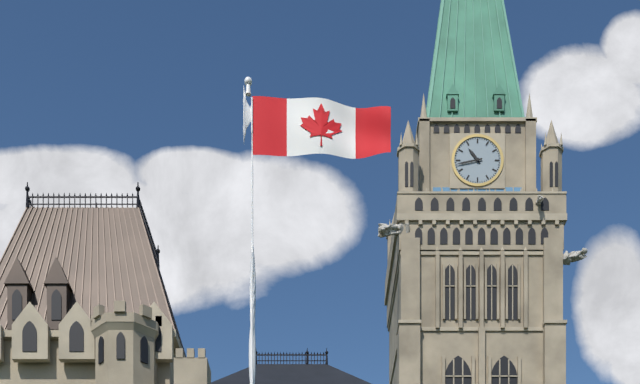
10:43
